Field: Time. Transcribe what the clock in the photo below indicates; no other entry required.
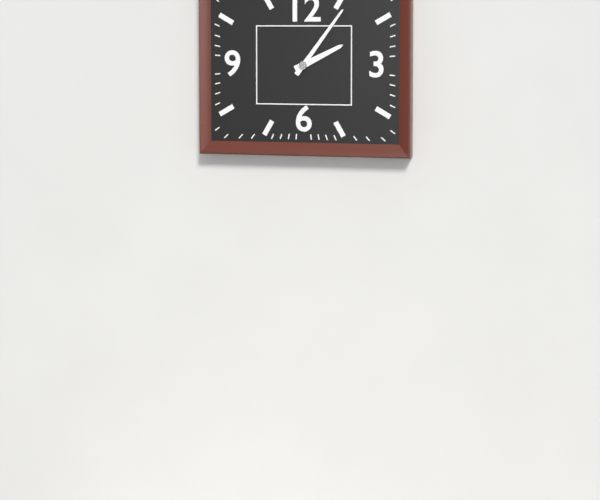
2:06
